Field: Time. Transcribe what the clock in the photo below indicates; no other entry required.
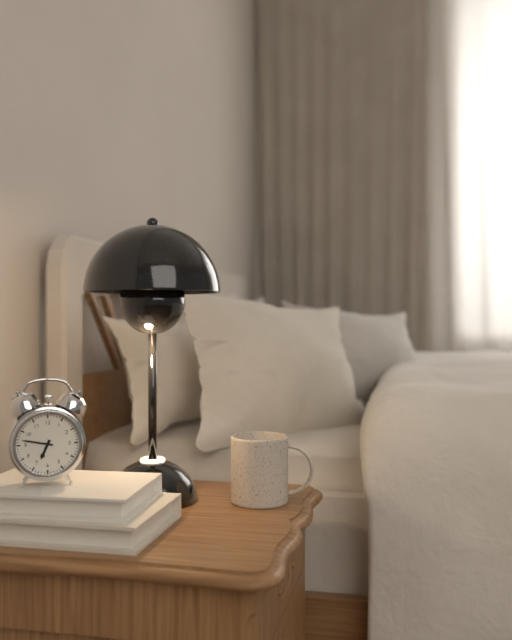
6:47
